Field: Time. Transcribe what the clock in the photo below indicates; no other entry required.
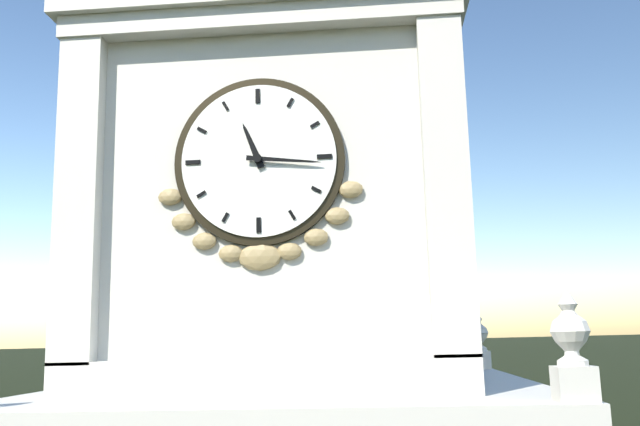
11:16
